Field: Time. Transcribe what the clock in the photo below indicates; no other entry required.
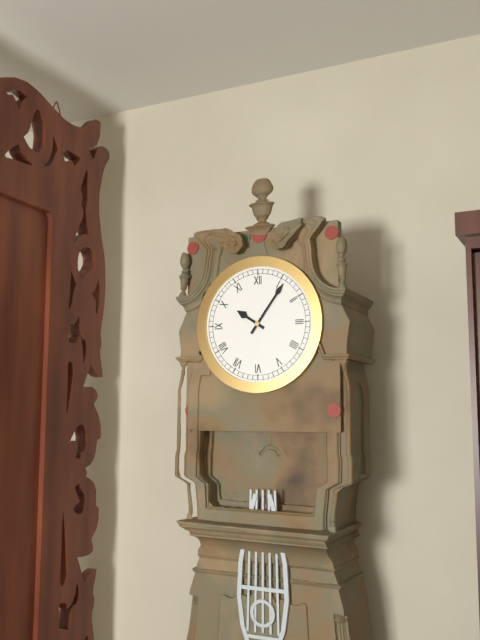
10:06
